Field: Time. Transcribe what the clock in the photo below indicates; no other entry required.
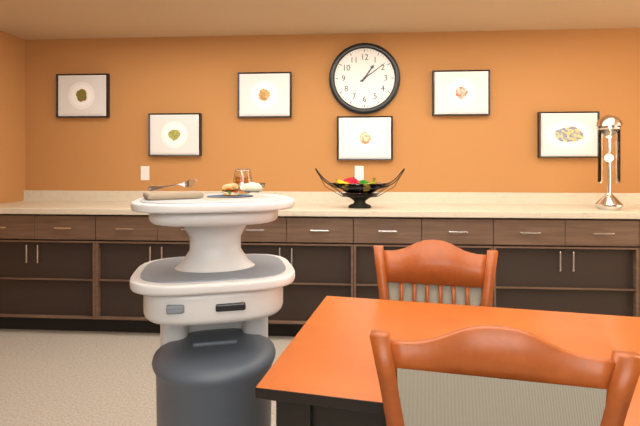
1:09
